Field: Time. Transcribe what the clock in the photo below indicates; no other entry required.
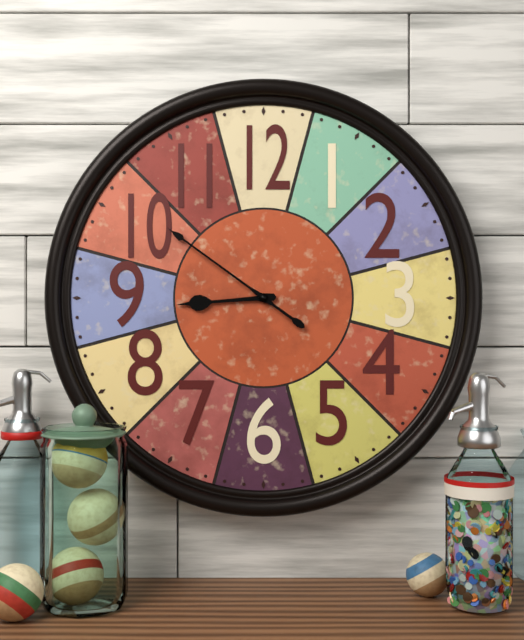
8:51
